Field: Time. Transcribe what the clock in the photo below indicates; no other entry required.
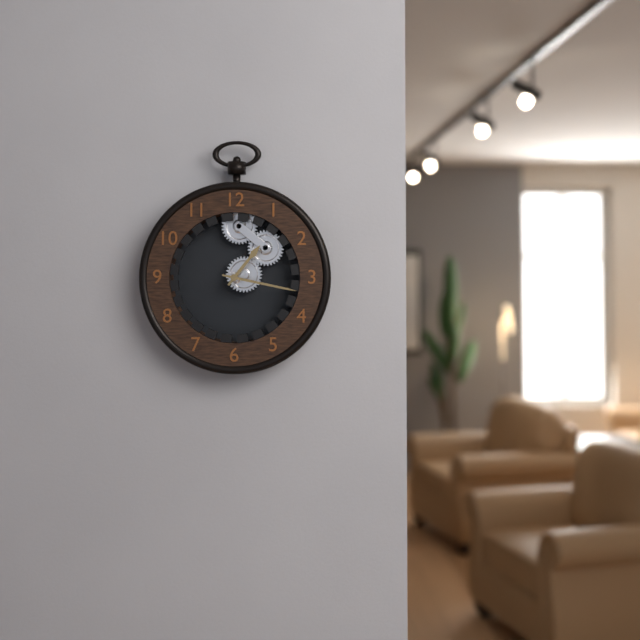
1:17
